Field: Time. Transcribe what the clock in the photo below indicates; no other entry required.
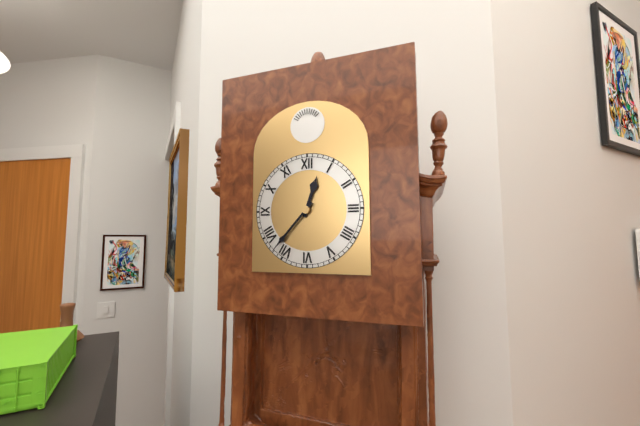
12:37
